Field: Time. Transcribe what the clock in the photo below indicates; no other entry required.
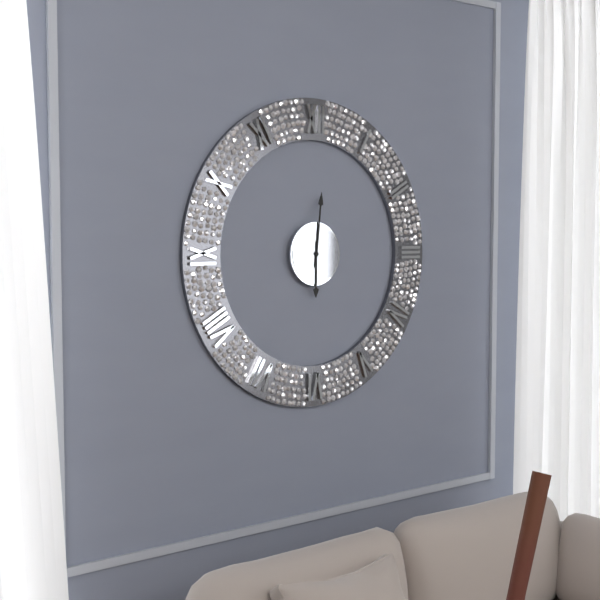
6:01
